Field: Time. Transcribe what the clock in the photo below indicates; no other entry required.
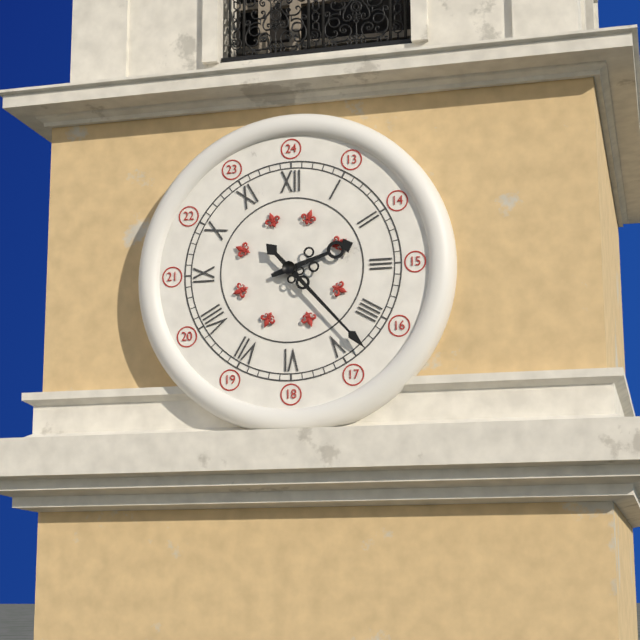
2:23
